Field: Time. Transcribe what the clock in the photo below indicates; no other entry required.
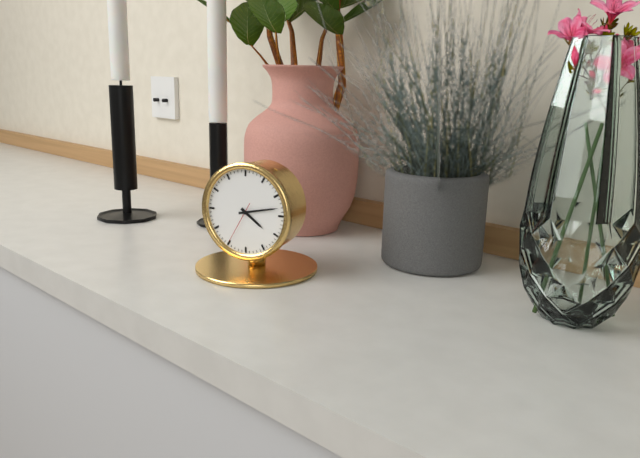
4:13
